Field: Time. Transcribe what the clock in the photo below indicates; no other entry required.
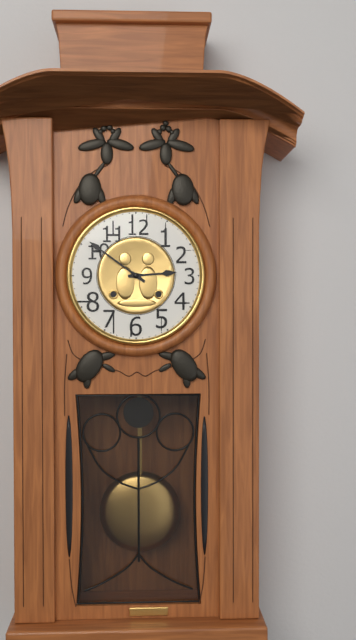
2:51
